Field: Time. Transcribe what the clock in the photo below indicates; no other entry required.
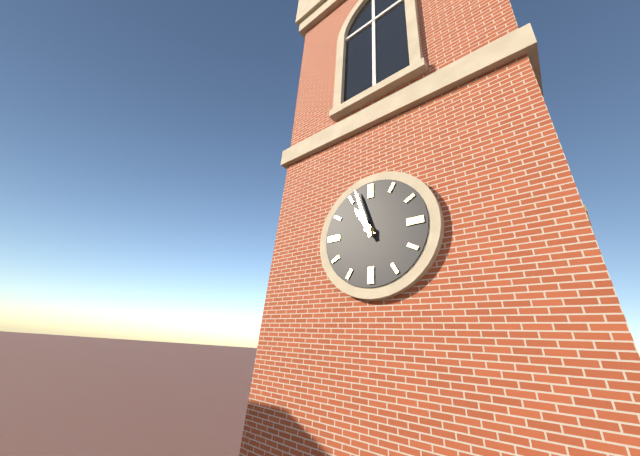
10:57
